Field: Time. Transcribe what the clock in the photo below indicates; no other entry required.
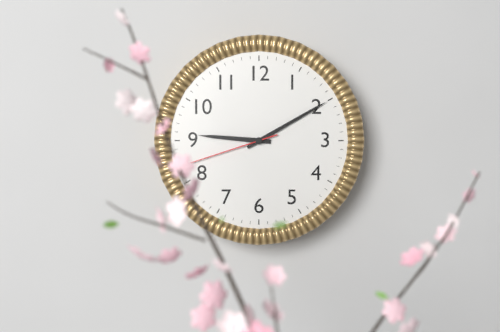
9:10:42
